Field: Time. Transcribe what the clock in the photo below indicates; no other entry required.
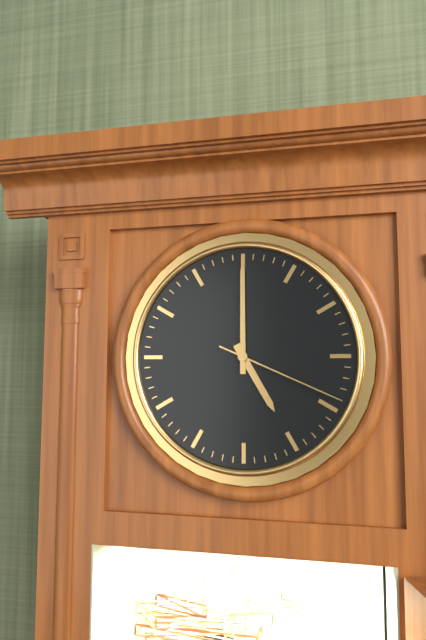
5:00:19
